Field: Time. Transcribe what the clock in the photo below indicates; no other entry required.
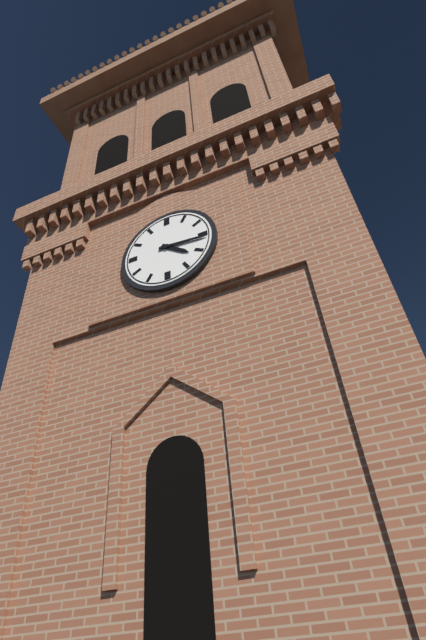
4:16
